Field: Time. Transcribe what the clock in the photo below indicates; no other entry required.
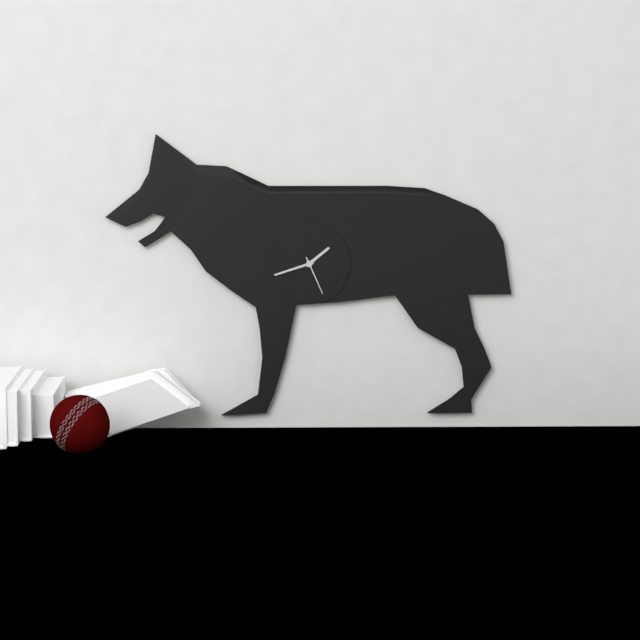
1:42
